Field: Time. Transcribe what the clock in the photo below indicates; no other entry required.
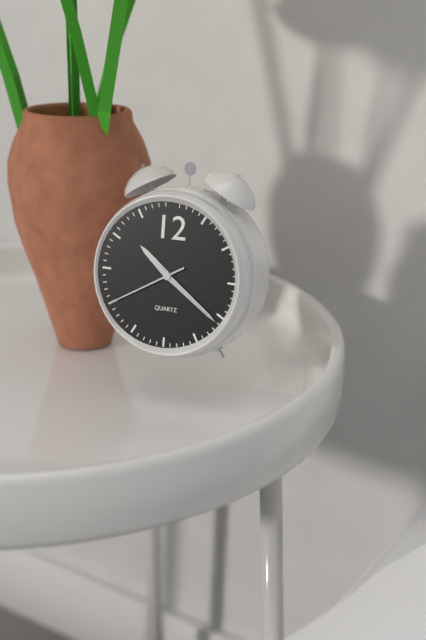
10:21:40
